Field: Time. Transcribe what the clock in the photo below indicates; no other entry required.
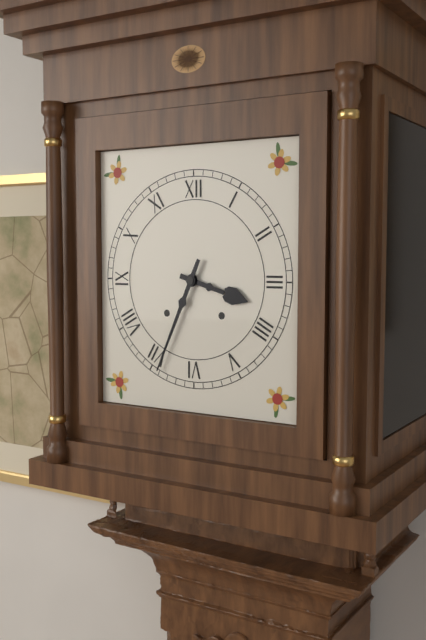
3:34
